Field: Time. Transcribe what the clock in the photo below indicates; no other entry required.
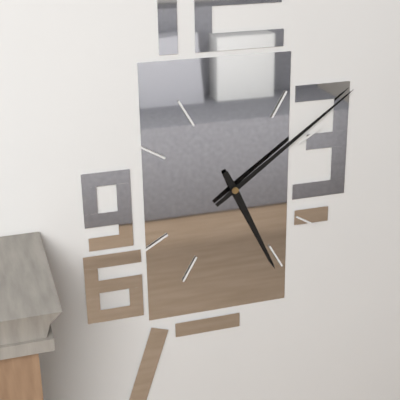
5:09
